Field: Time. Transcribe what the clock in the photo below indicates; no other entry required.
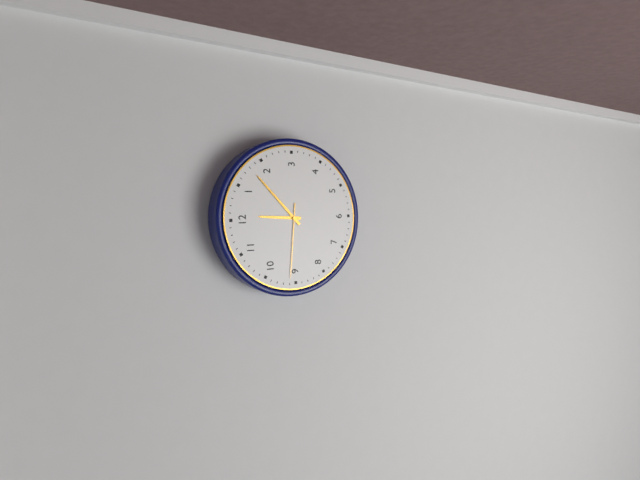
12:08:46
